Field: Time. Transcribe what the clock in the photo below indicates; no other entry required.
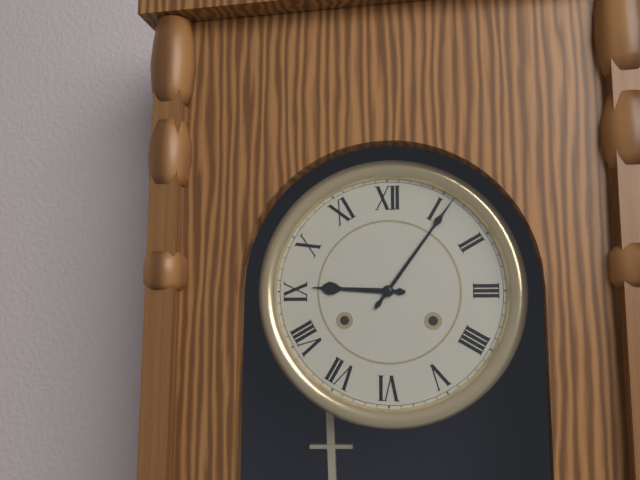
9:06
